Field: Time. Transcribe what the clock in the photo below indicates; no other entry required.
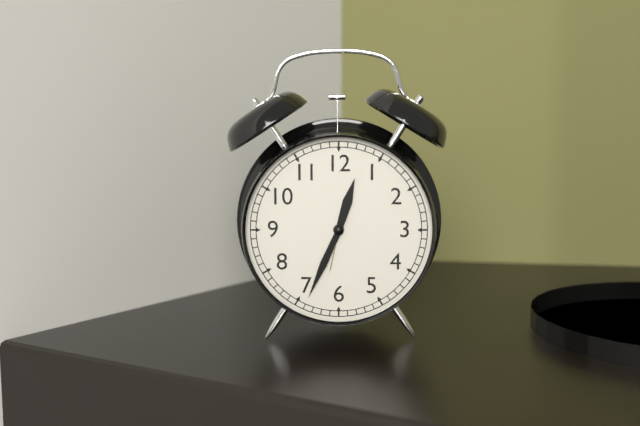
12:34
